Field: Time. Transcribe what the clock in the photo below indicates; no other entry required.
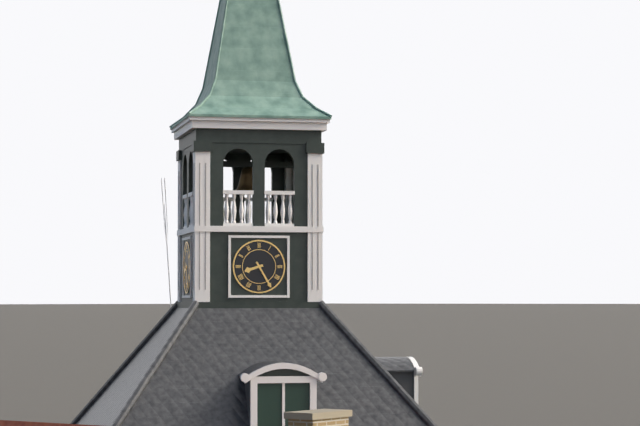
8:25
